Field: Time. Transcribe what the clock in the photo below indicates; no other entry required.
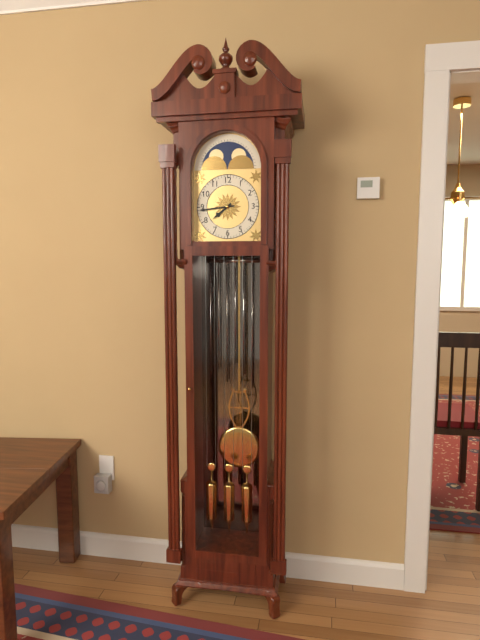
7:44
